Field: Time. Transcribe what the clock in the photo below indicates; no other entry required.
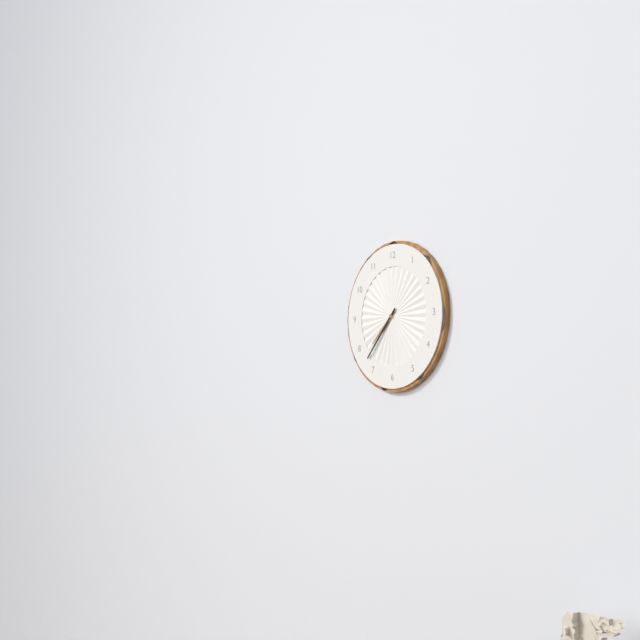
7:37
